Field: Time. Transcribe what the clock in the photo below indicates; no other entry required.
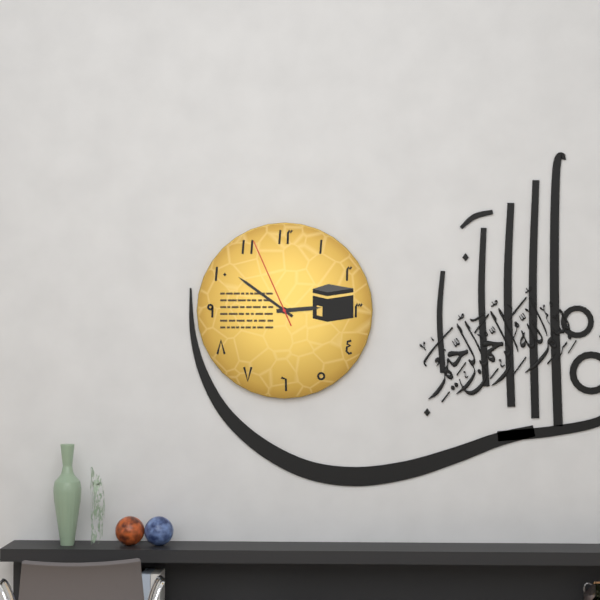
2:51:56
